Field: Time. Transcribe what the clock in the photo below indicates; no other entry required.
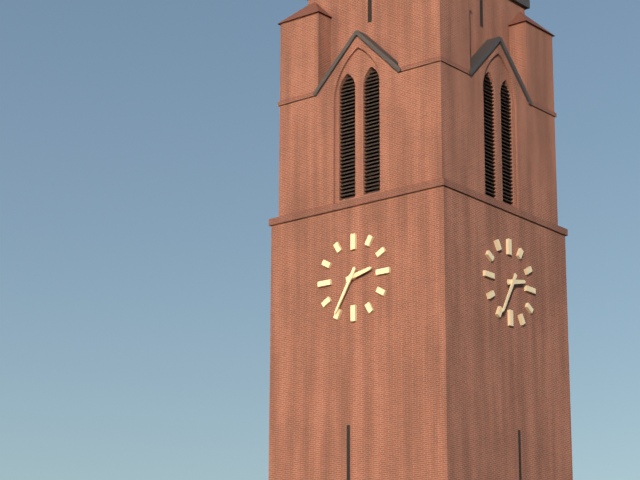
2:35
